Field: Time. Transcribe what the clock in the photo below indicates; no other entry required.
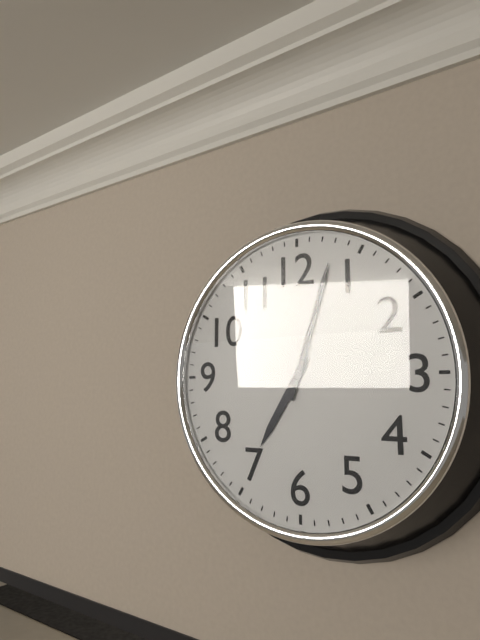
7:03
